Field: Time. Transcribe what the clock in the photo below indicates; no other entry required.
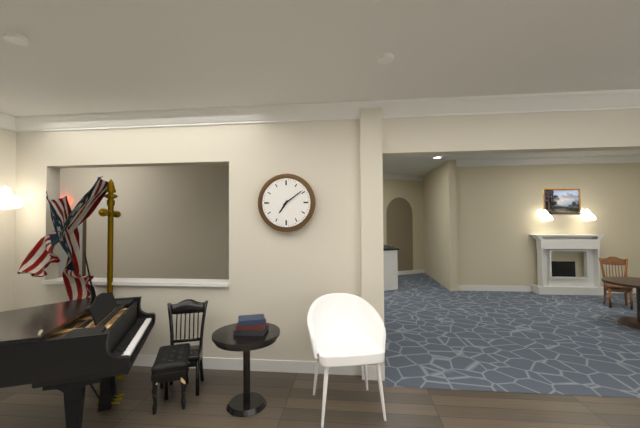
7:09
